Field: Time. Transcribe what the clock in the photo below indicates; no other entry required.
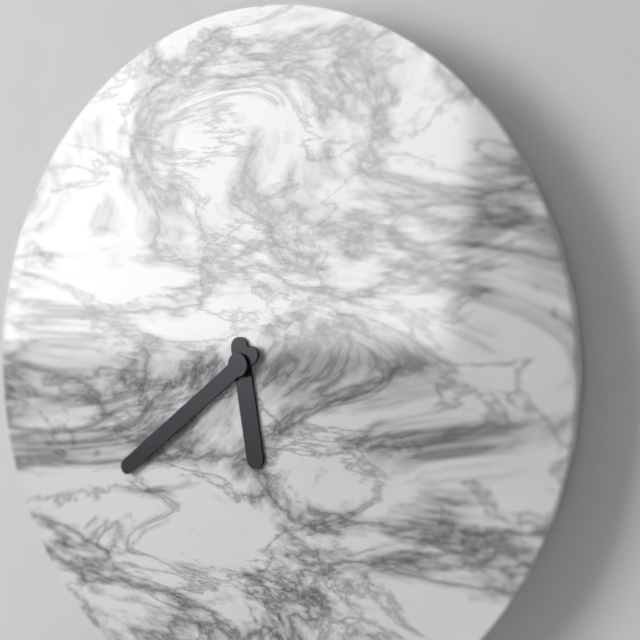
5:39
